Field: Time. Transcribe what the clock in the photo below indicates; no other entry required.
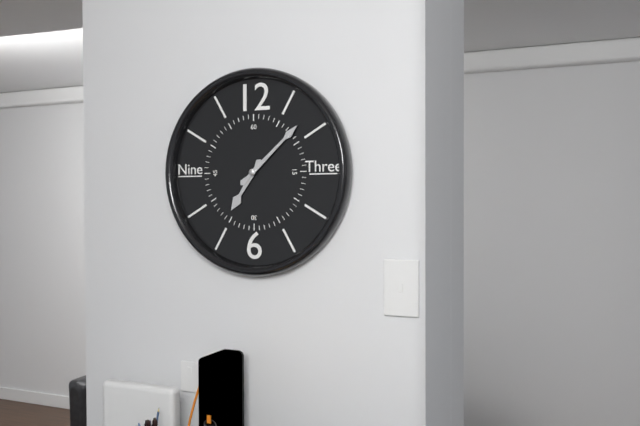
7:08
